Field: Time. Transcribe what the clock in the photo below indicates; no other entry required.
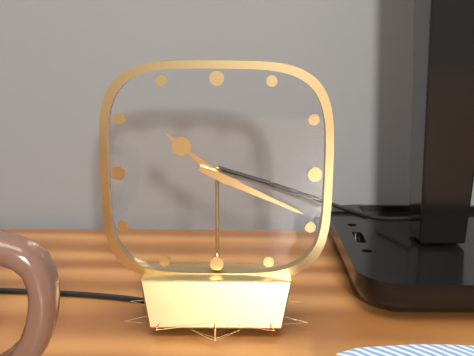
10:19
